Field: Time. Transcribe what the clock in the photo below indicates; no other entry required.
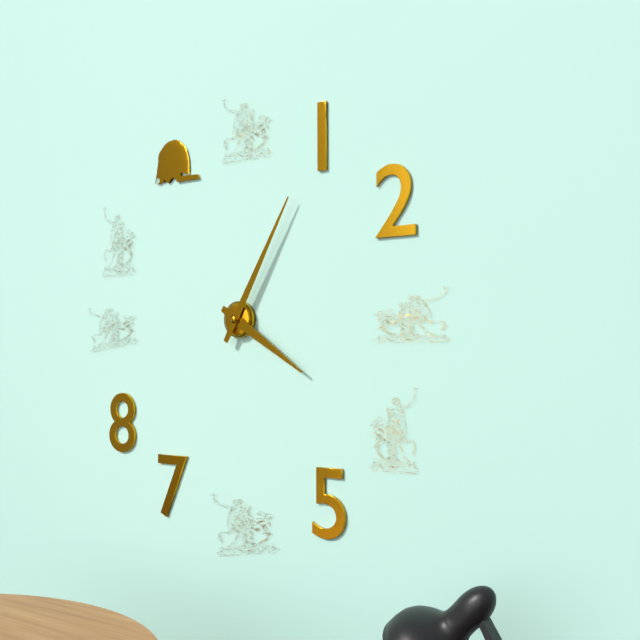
4:05
